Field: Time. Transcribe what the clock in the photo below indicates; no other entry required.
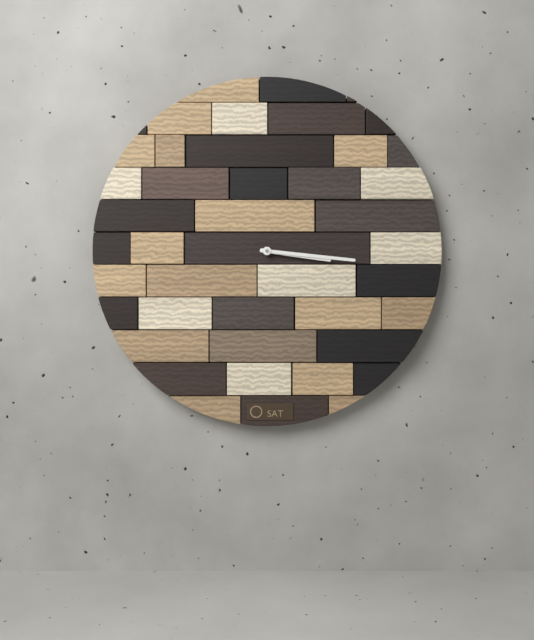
3:16
